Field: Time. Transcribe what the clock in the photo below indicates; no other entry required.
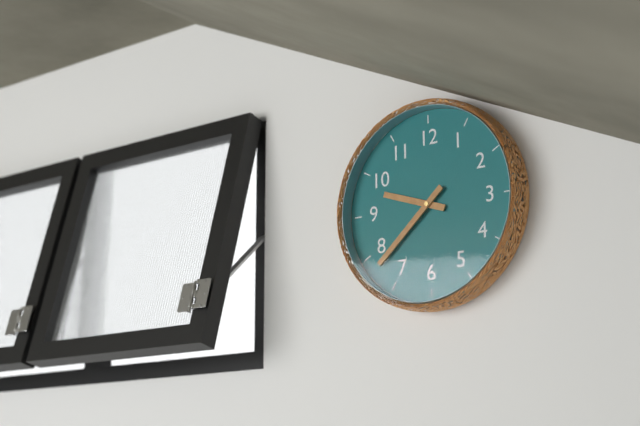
9:38
